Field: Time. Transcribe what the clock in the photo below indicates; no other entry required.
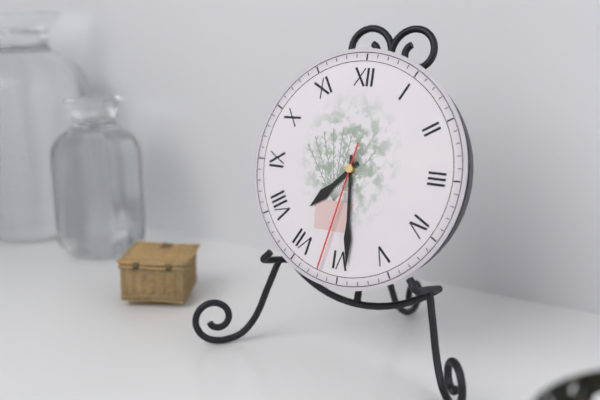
7:29:32
